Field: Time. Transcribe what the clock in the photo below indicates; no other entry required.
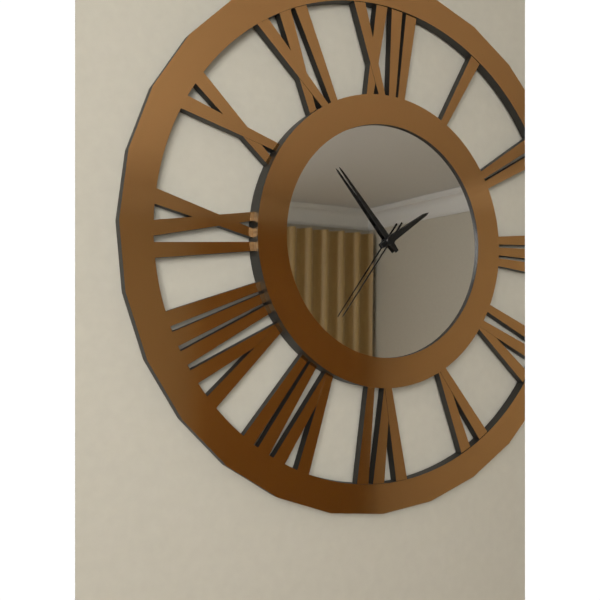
1:53:36
